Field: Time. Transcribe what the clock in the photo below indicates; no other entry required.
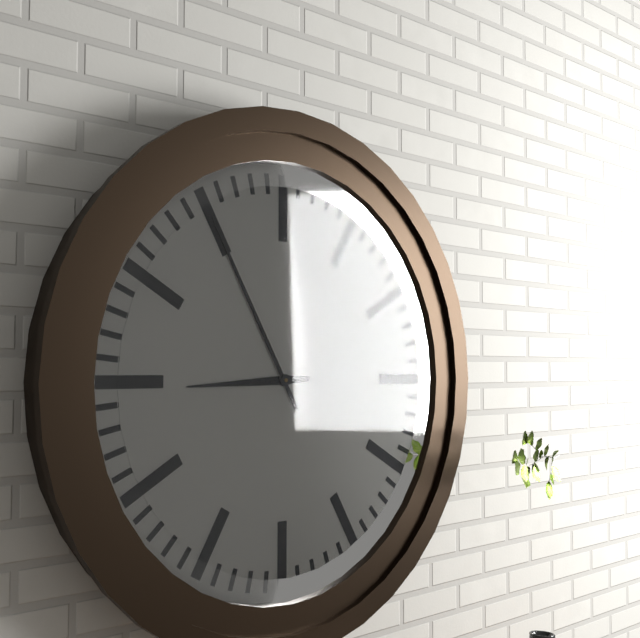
8:55
